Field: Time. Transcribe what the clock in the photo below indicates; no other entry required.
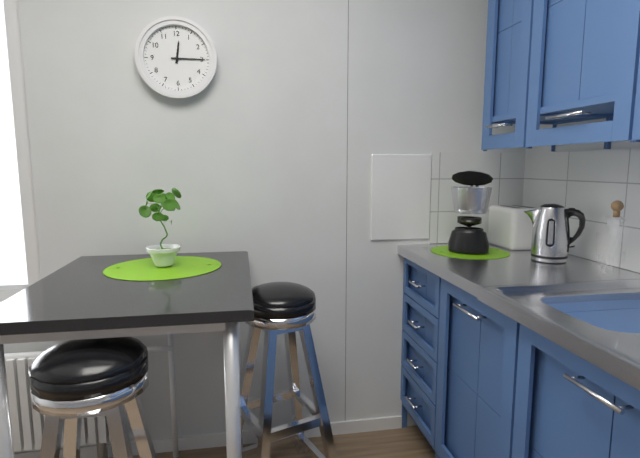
12:15
